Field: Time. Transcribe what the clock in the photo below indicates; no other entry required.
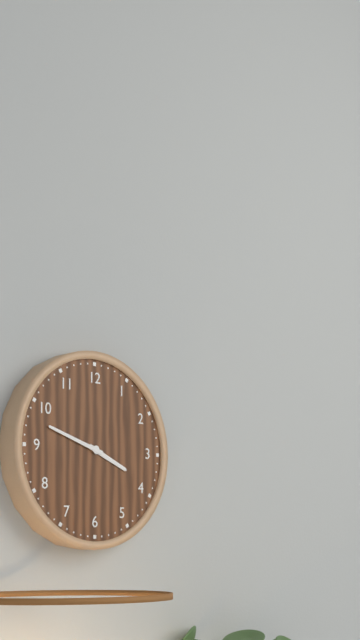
3:48
